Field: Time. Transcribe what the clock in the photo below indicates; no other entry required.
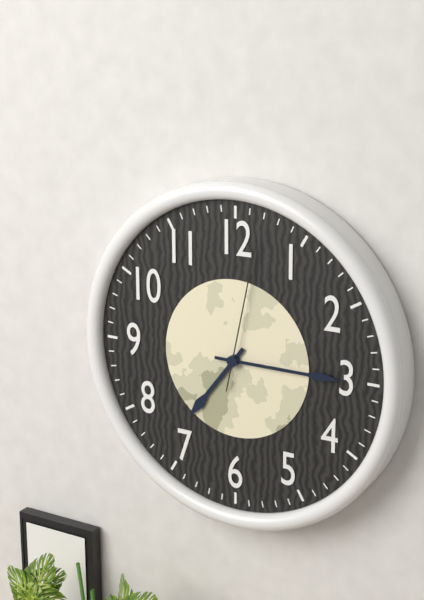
7:15:02
